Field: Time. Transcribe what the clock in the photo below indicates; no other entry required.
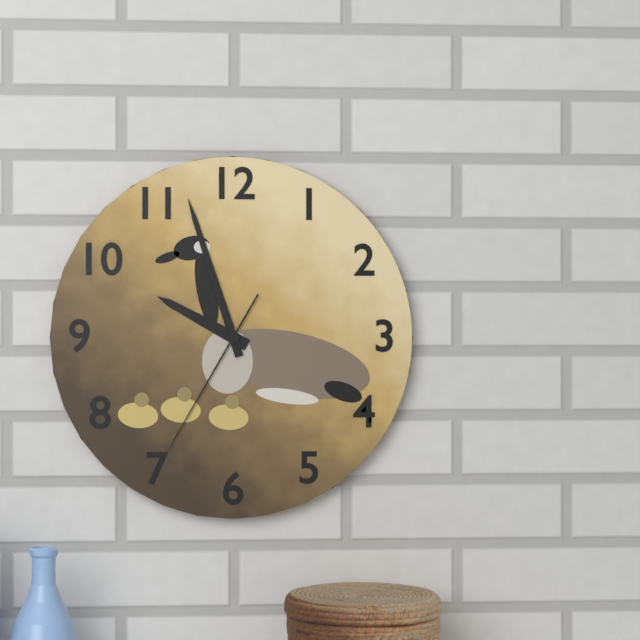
9:57:35
